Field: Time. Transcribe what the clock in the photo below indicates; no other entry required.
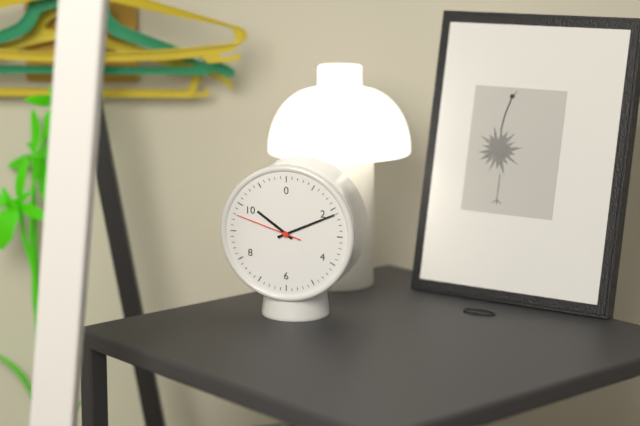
10:11:48
